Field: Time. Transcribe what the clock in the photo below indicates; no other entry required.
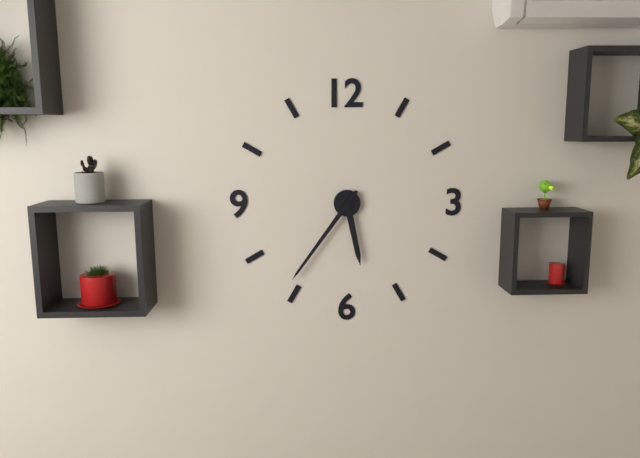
5:36
